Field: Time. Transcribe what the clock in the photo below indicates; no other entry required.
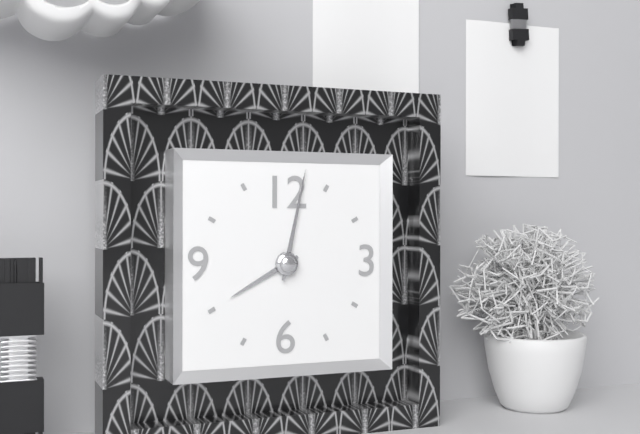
8:02
